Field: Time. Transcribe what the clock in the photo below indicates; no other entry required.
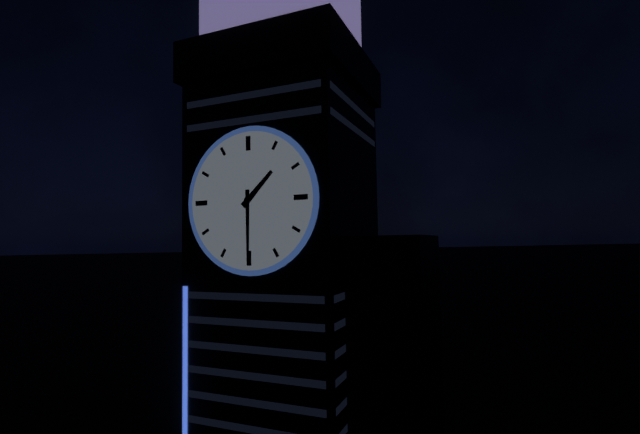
1:30
